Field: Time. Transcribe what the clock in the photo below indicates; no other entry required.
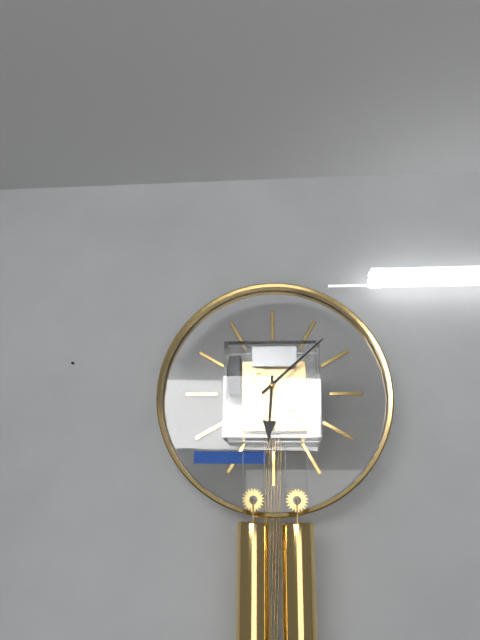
6:08
